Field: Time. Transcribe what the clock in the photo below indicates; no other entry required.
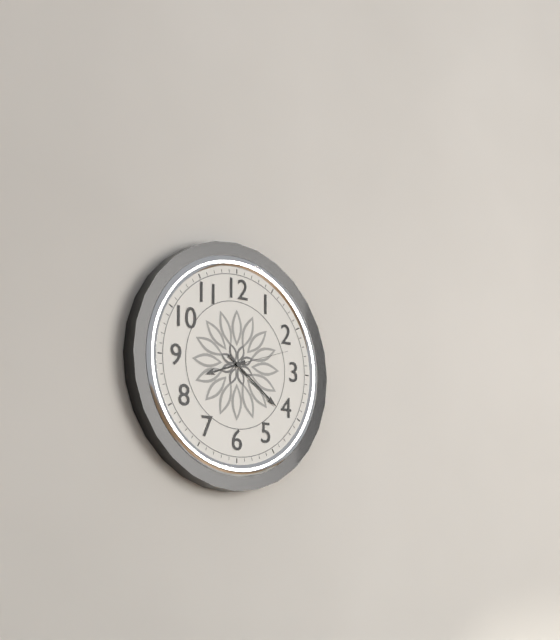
8:21:12
